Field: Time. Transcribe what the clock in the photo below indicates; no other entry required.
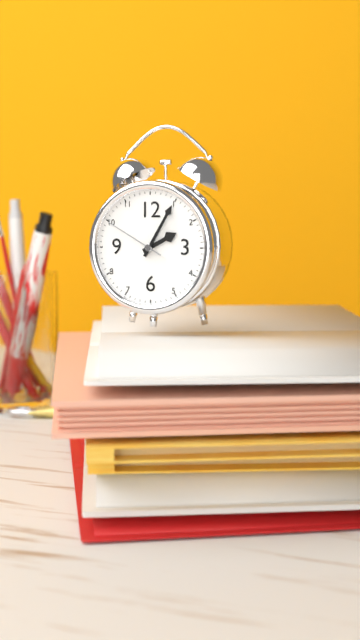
2:05:50
